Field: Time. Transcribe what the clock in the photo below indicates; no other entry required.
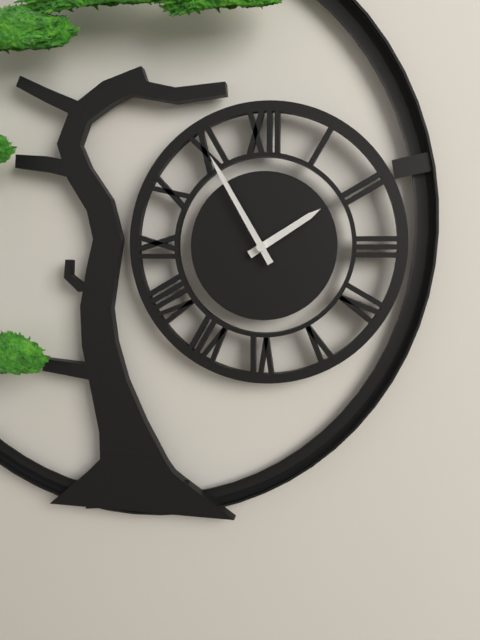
1:55
